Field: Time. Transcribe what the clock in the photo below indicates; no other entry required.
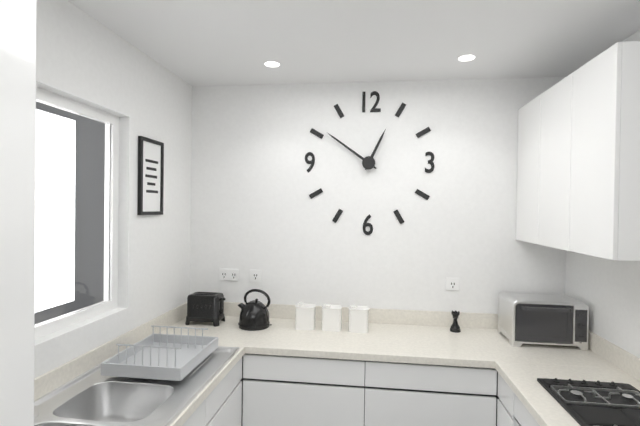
12:51
